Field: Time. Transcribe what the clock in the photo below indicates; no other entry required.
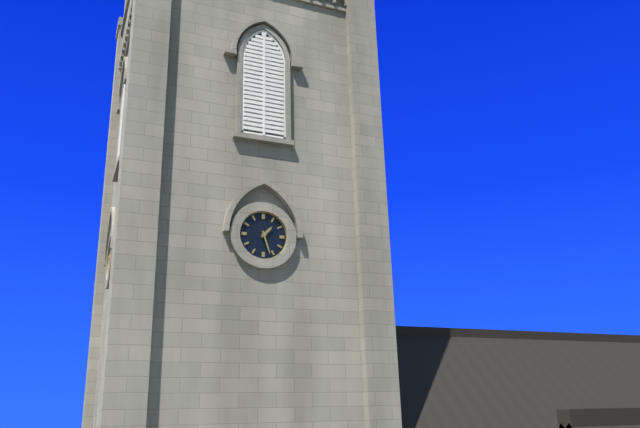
1:27
